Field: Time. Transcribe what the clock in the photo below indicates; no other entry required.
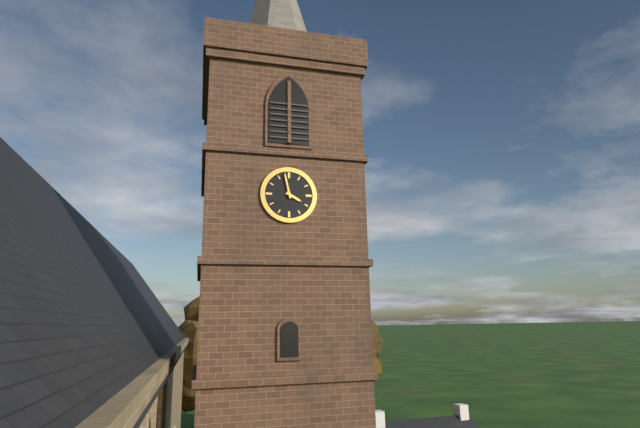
3:58
